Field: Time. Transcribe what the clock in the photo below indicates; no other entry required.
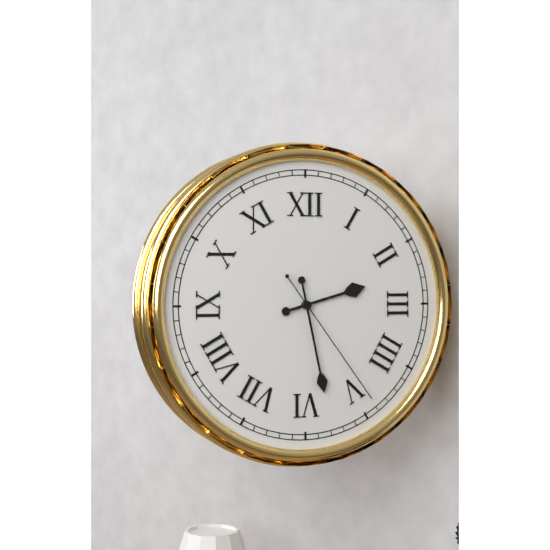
2:28:24
